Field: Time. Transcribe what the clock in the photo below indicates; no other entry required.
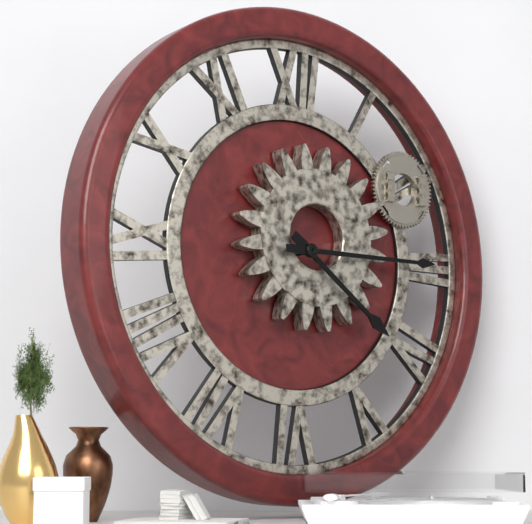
4:15
